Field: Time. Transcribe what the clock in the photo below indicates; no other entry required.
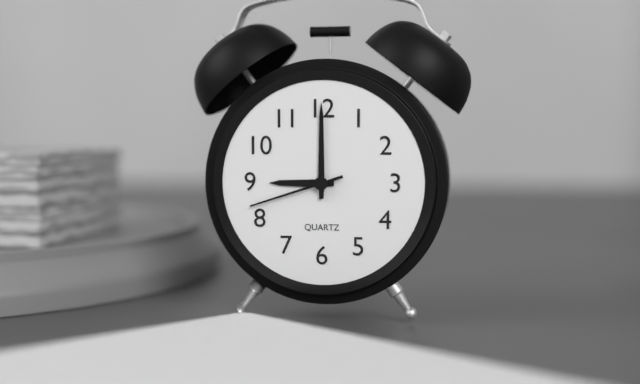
9:00:42
